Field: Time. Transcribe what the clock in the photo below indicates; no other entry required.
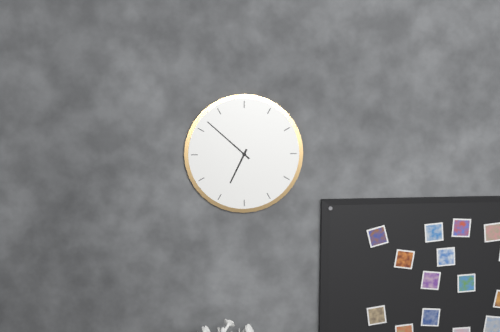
6:52
